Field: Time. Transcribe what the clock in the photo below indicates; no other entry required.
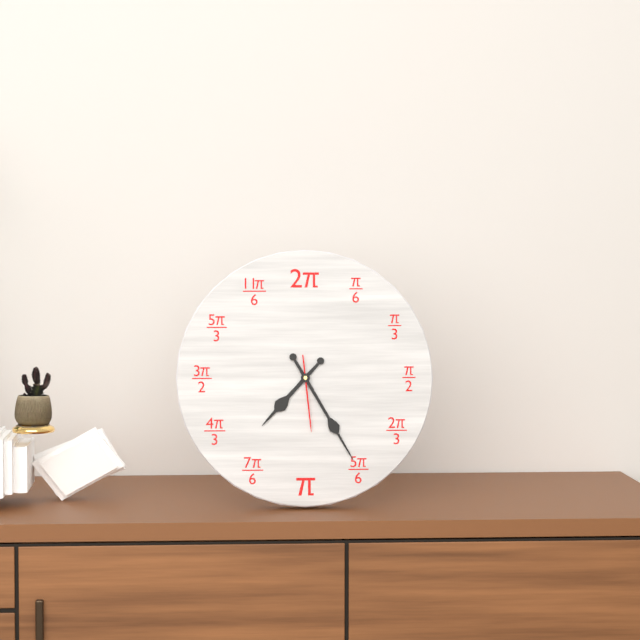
7:25:29
